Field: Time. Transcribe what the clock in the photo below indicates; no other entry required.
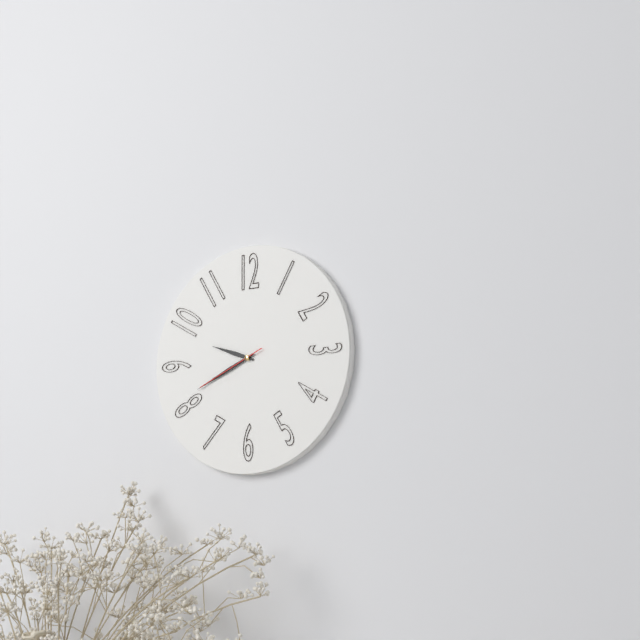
9:41:41
